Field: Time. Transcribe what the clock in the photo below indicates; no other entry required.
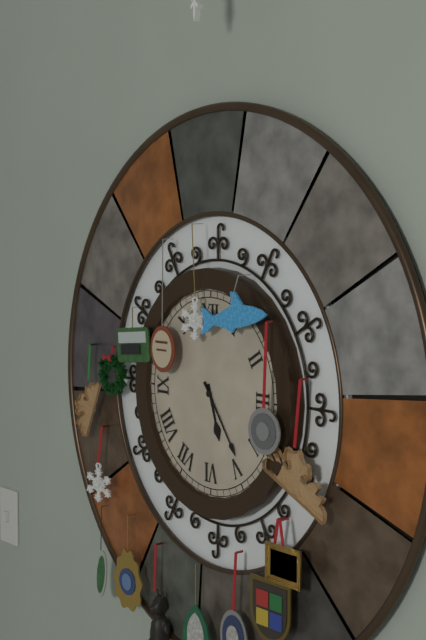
5:24
